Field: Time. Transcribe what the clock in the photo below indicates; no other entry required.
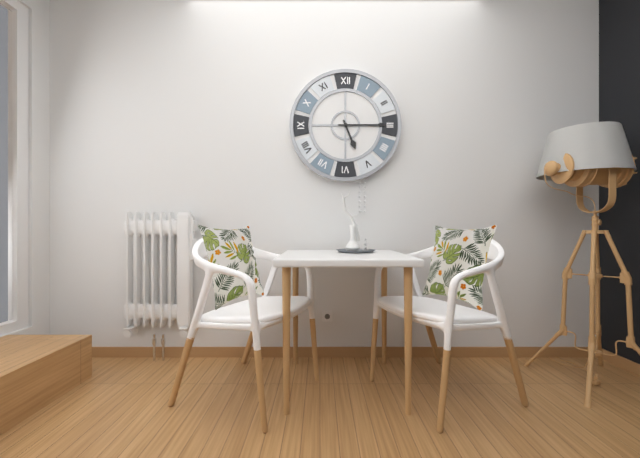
5:15
